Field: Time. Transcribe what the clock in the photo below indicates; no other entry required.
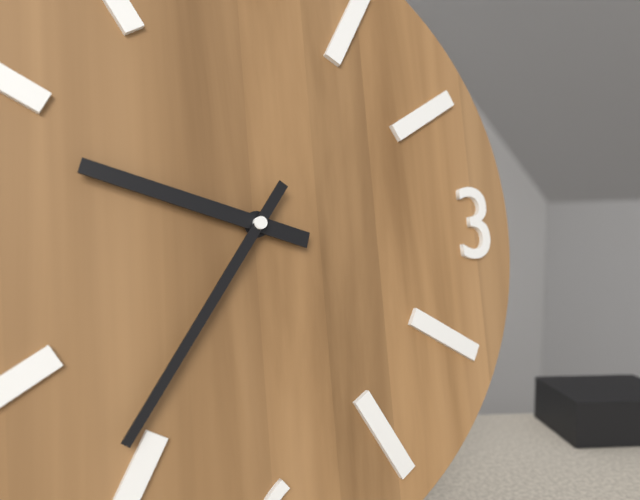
9:36
